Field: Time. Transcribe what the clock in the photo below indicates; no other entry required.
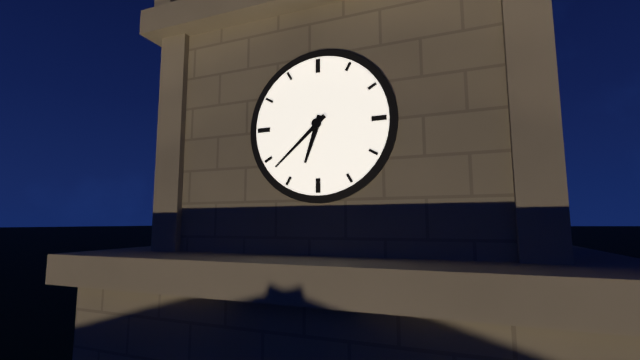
6:38
